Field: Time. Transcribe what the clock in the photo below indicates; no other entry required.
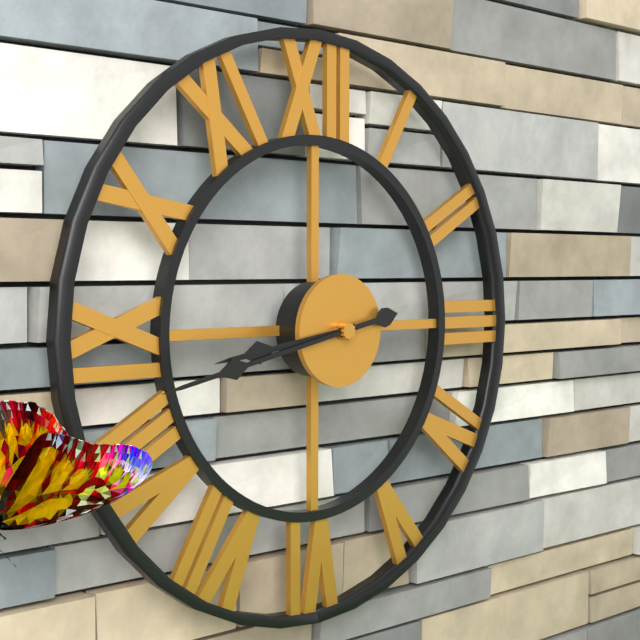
8:43
